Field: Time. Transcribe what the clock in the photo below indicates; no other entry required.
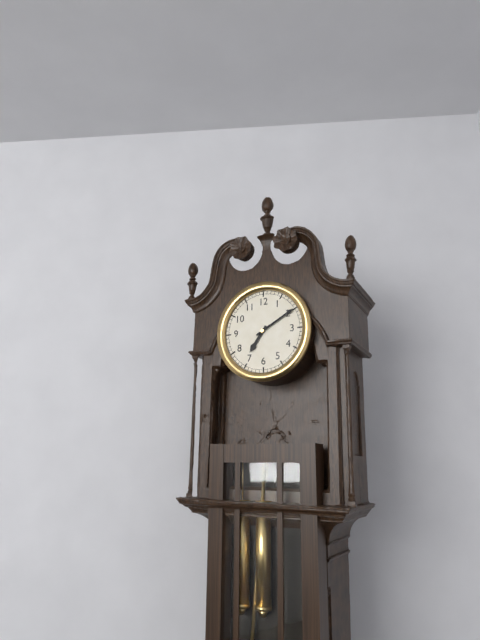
7:10
